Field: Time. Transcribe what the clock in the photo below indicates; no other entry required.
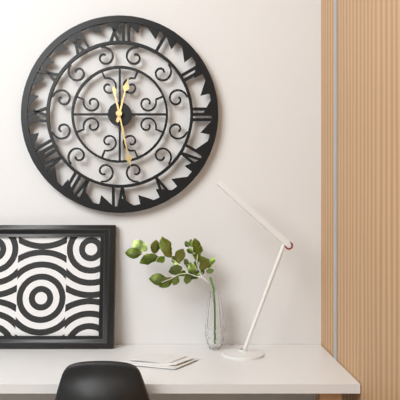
12:28
